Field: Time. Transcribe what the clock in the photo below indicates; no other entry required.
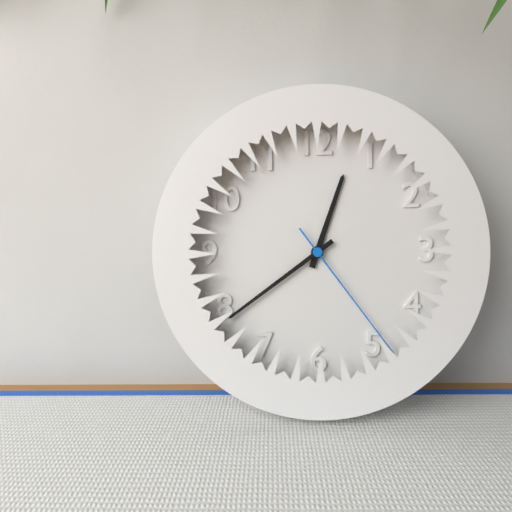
12:39:24
